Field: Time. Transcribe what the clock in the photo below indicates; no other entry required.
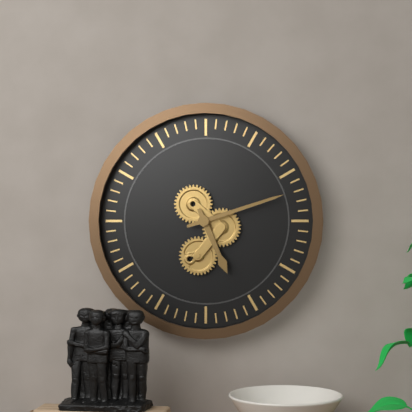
5:12
